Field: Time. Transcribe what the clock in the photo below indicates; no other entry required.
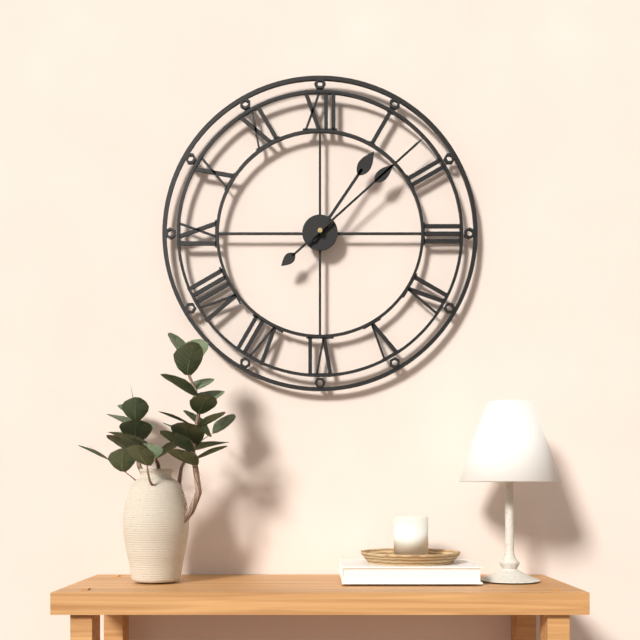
1:08
